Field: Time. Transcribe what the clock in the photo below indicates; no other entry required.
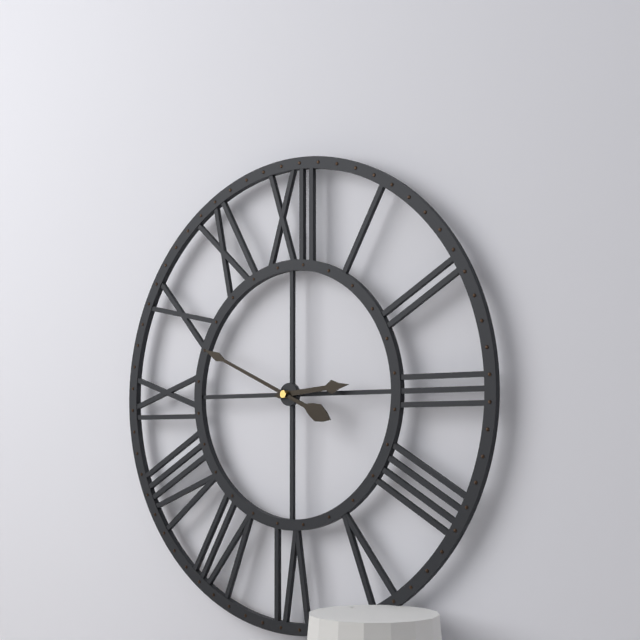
2:49
